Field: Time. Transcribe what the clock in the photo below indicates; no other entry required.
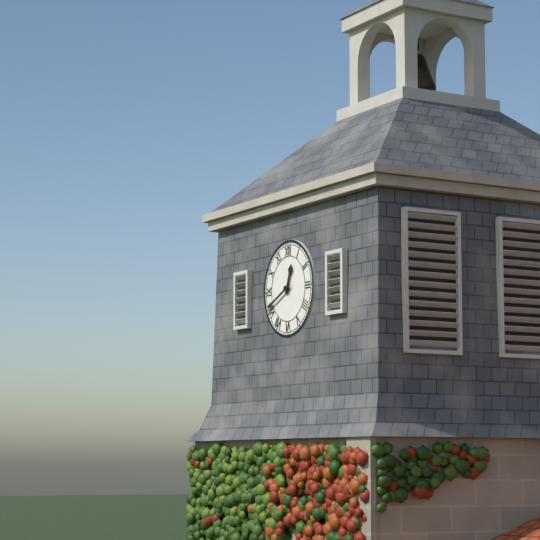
12:41
